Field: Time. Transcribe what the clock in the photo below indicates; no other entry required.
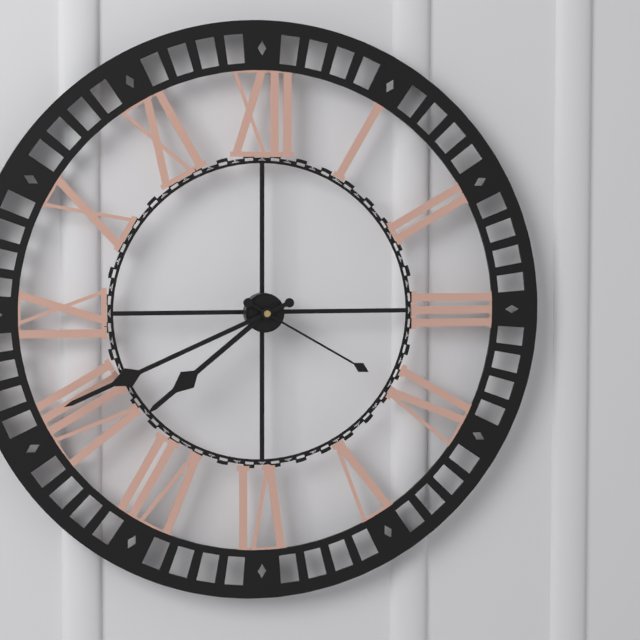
7:41:20
